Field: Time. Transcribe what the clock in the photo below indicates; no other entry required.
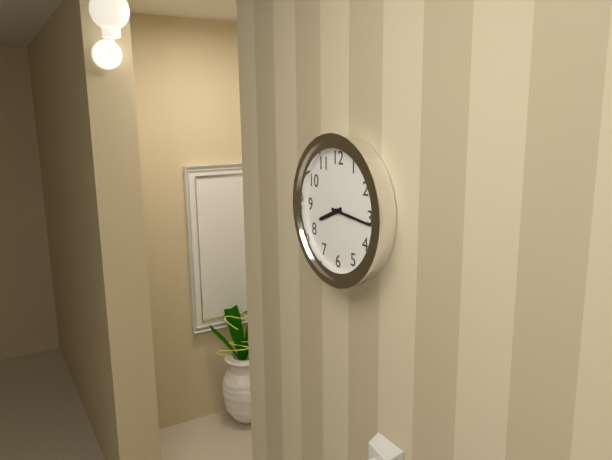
8:16
